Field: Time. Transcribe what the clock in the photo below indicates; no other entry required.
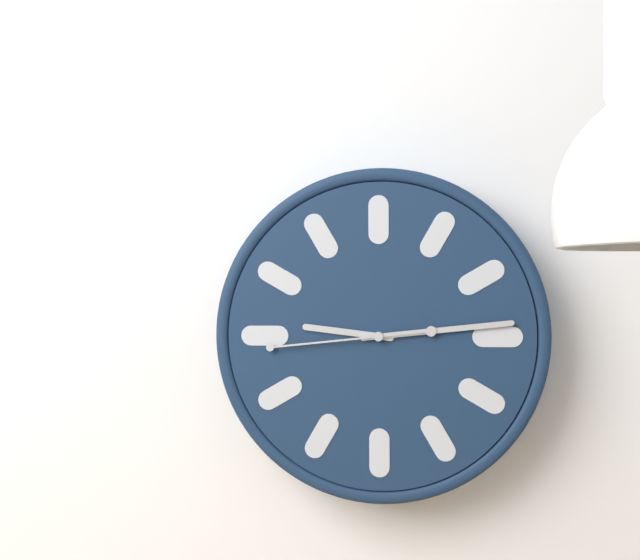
9:14:44
